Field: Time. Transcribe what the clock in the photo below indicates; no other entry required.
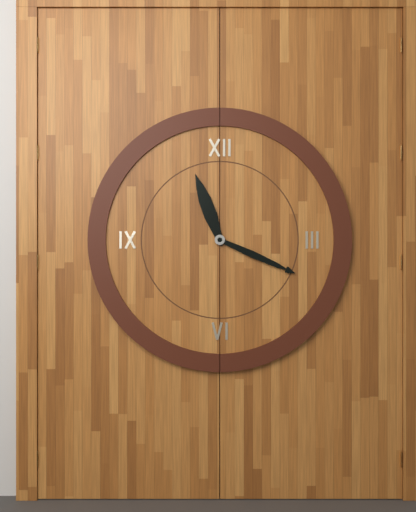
11:19
